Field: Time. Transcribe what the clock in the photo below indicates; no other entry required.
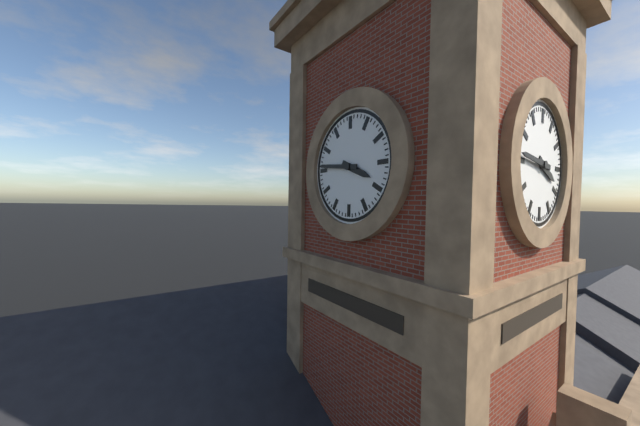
3:46
